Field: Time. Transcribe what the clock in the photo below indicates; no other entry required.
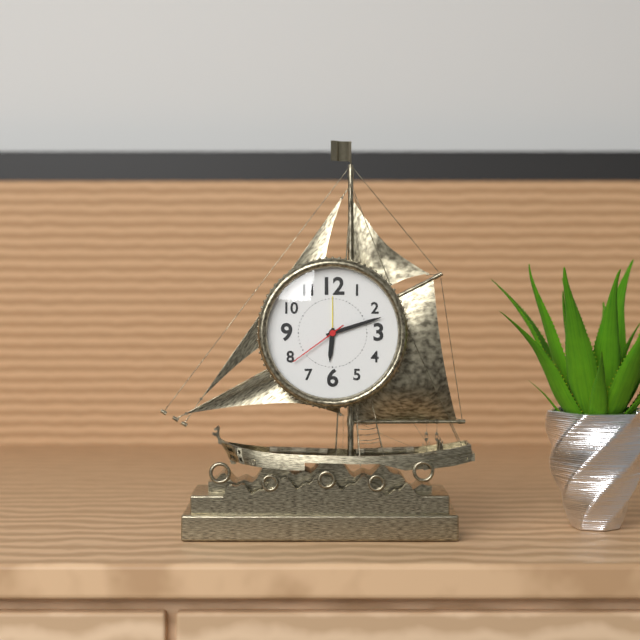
6:12:39
